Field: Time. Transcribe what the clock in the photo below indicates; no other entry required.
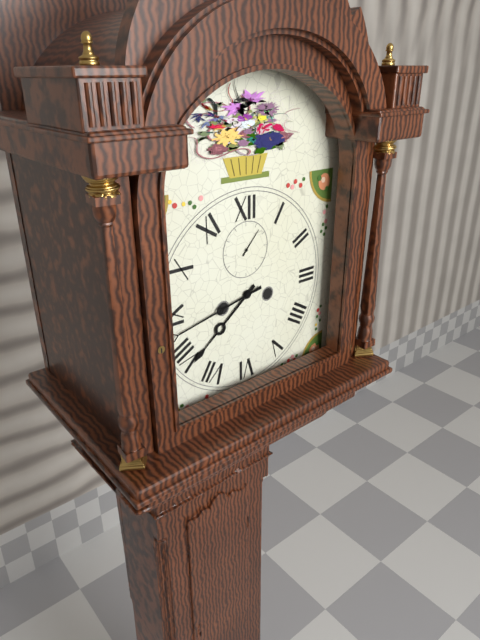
7:43
